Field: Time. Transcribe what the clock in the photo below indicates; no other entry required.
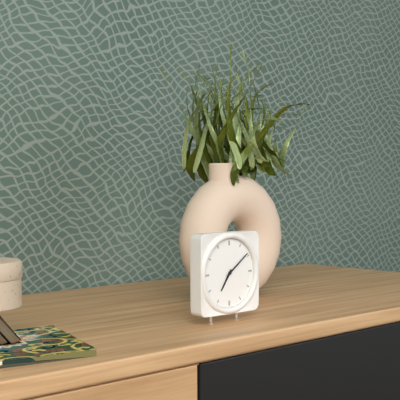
7:09
